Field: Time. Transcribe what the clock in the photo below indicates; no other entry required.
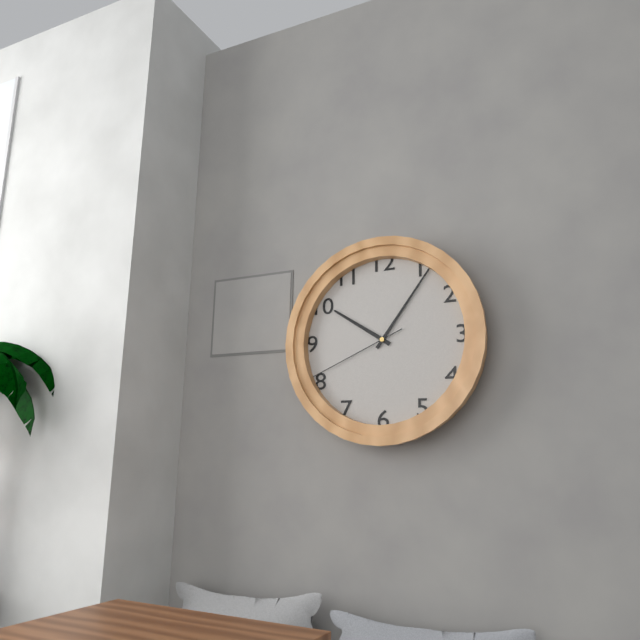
10:06:41
